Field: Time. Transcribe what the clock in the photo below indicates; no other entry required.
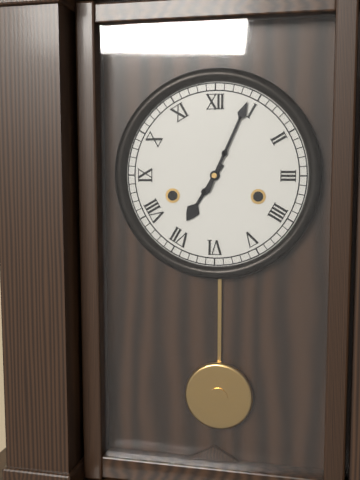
7:04
